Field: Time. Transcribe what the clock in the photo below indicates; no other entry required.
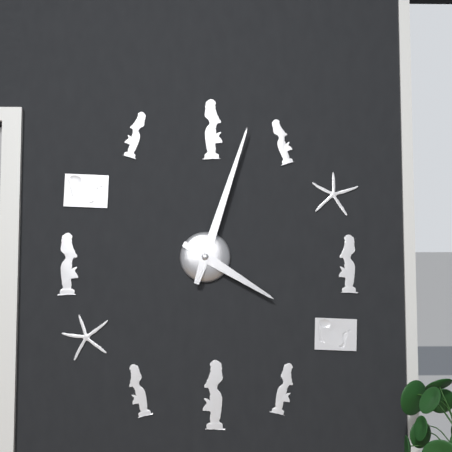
4:03
